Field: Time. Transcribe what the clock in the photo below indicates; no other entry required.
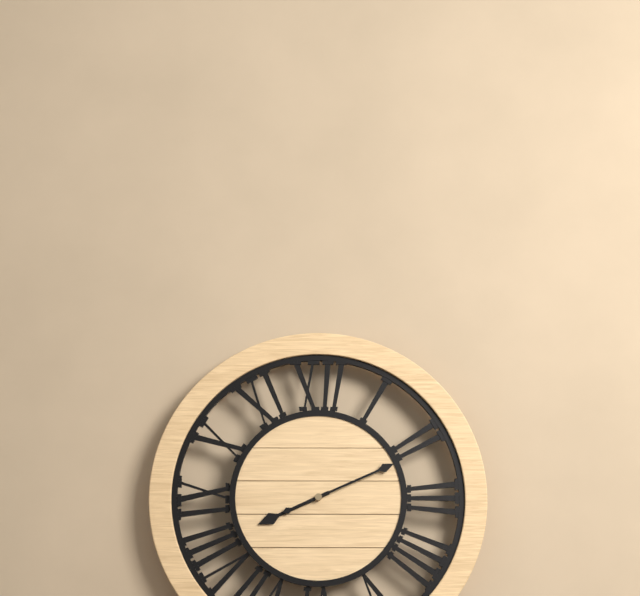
8:11
